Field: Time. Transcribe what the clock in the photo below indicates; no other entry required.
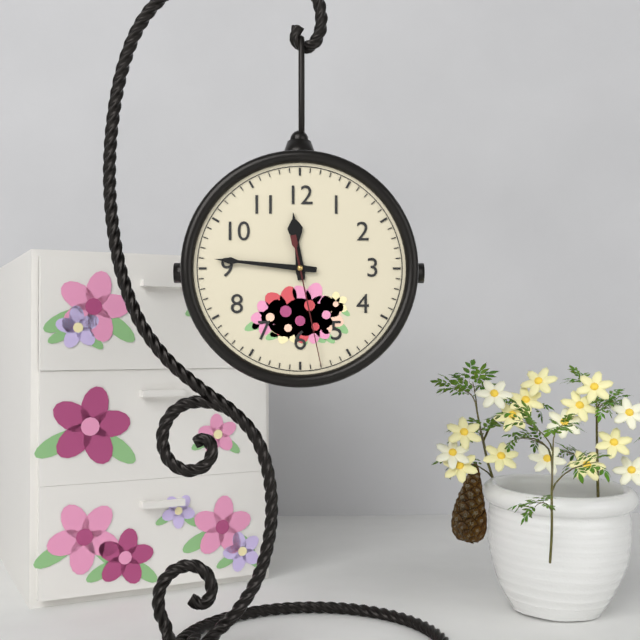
11:46:28
